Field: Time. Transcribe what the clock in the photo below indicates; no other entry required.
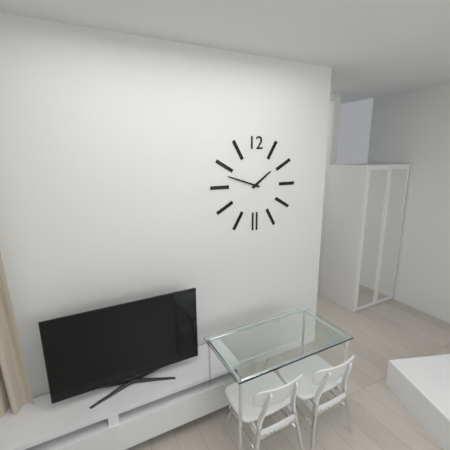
1:48
